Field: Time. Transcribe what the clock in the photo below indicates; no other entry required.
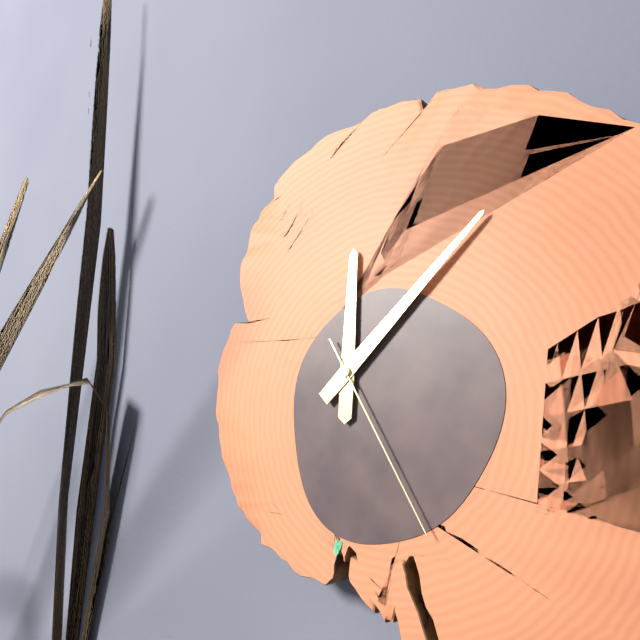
12:08:25
